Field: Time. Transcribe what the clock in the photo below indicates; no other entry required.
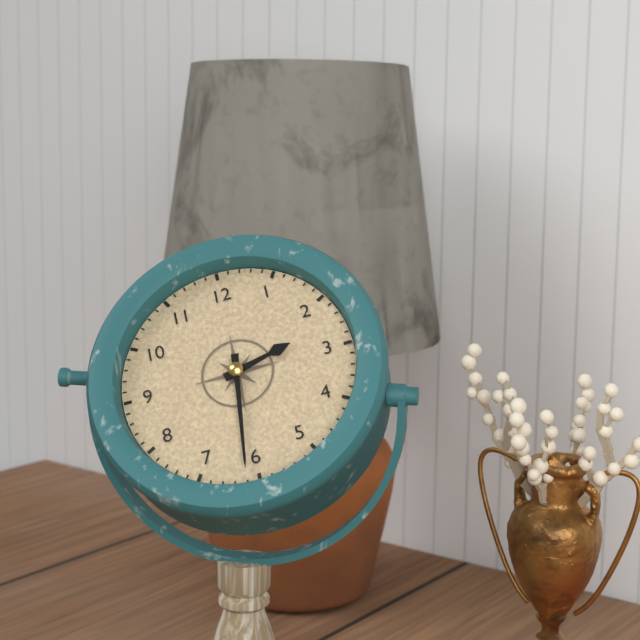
2:31
